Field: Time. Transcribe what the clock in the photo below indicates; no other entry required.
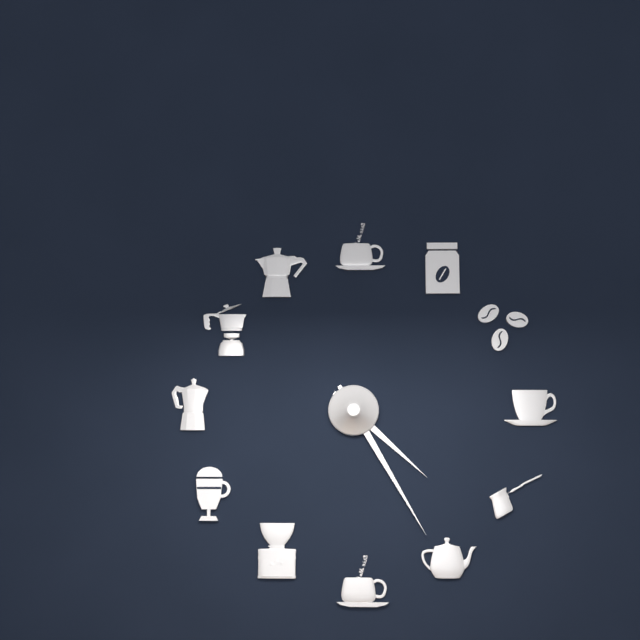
4:25
